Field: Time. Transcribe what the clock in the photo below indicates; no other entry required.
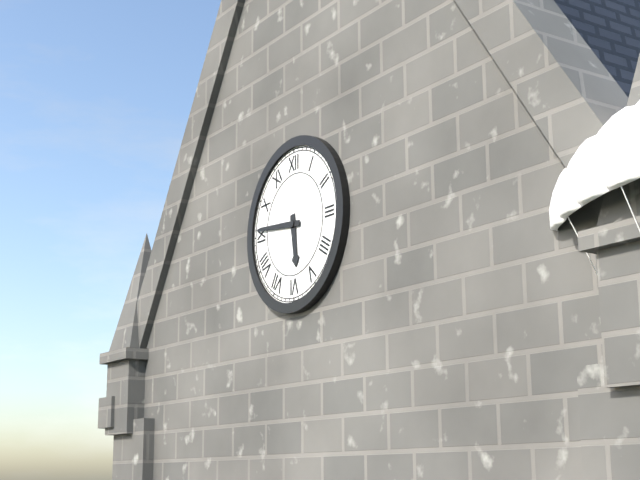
5:46
